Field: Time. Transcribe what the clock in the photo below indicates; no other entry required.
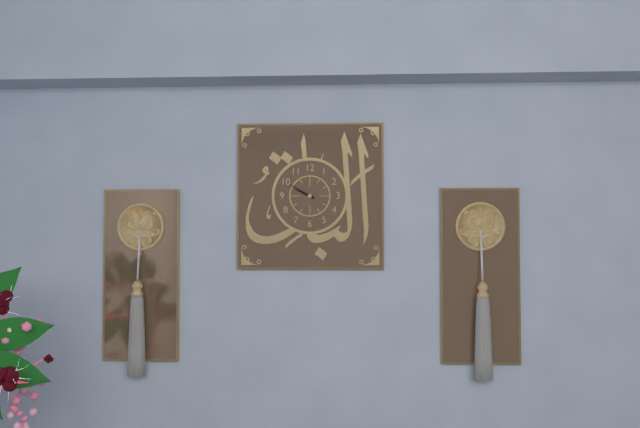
9:50
